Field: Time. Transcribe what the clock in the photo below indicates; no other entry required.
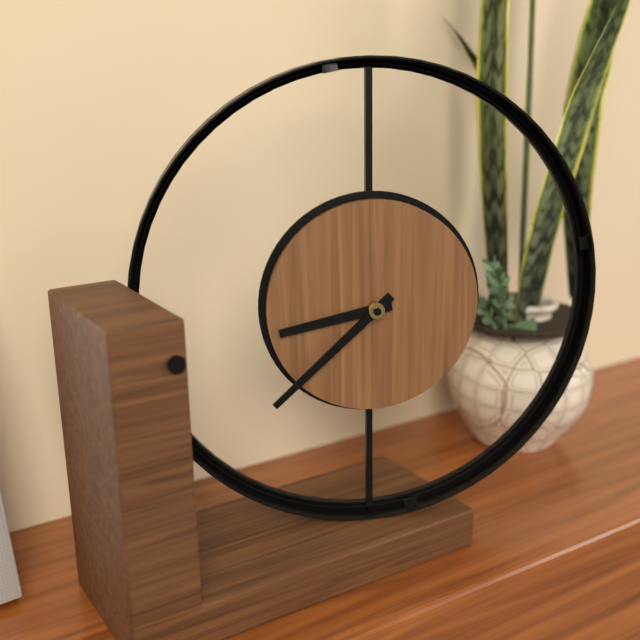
8:38
